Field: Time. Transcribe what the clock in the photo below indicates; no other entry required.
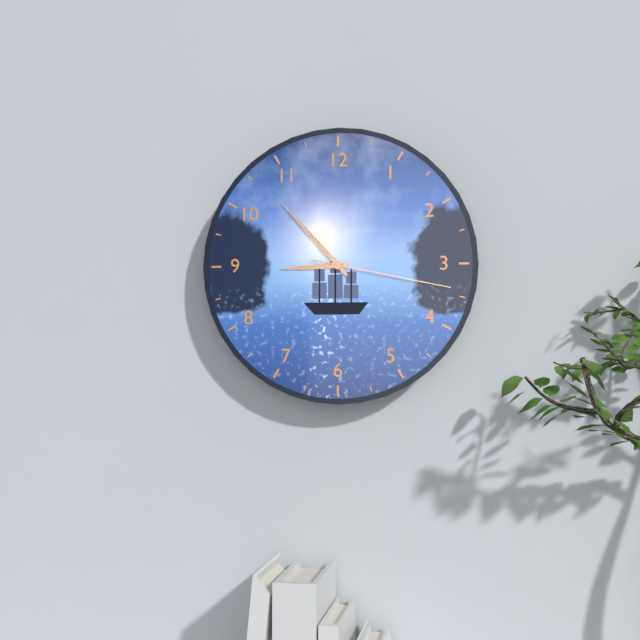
8:53:17
